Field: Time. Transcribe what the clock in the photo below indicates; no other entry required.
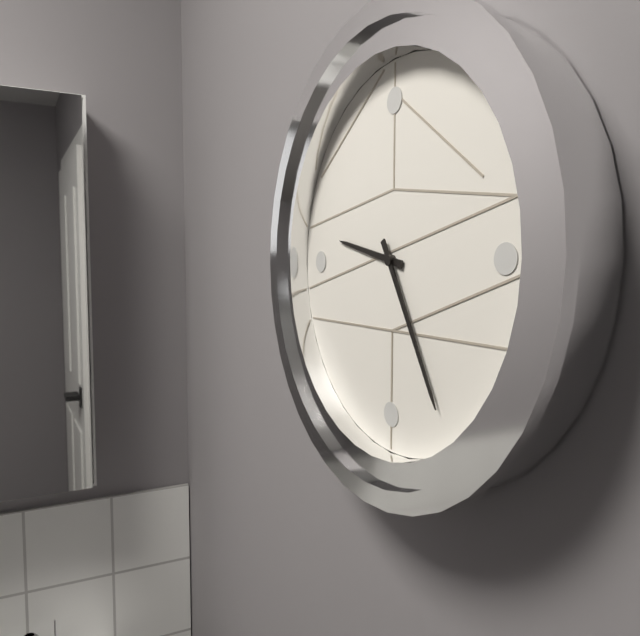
9:25
